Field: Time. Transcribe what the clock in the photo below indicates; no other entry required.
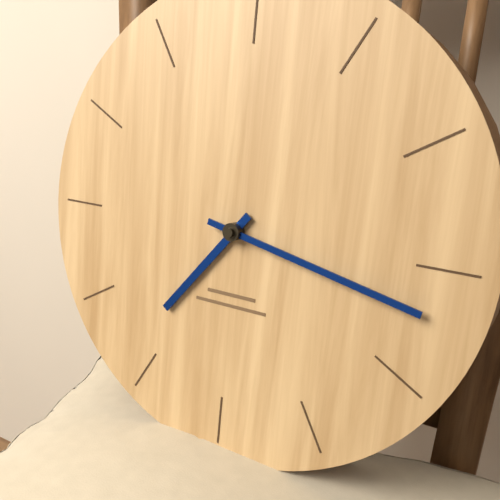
7:17
